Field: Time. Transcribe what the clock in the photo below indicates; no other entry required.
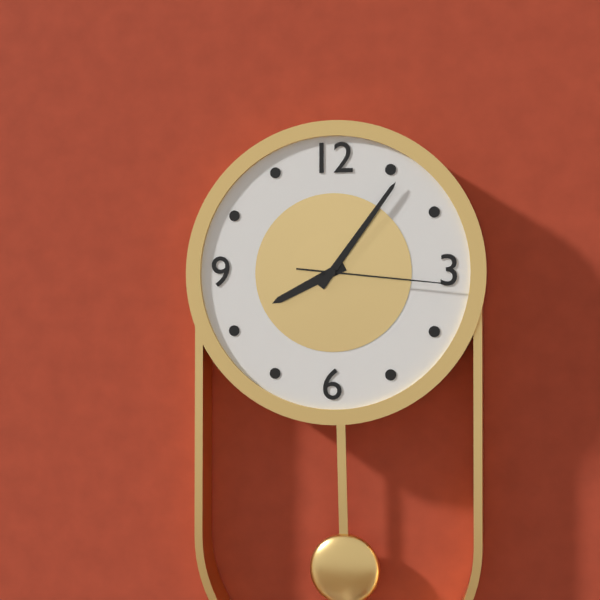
8:06:16
